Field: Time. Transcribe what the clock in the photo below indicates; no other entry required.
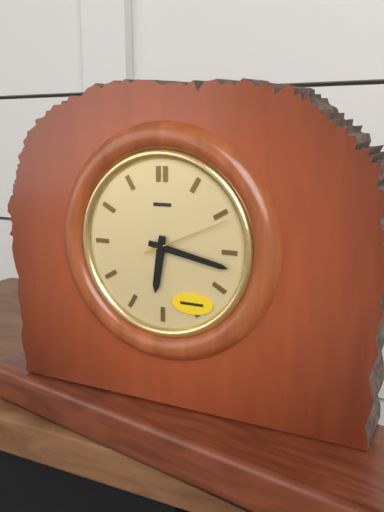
6:17:11
